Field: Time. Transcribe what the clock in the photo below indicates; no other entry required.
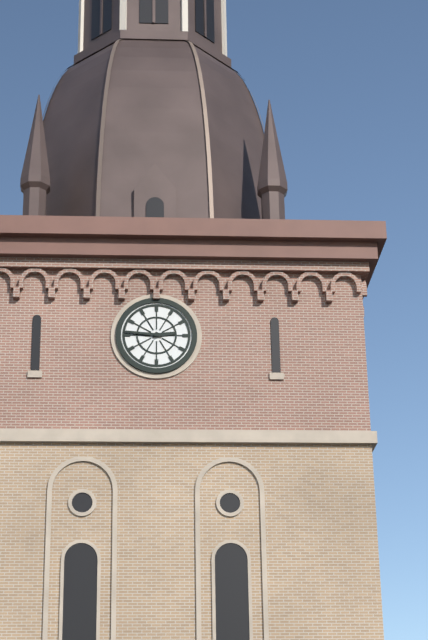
2:46
